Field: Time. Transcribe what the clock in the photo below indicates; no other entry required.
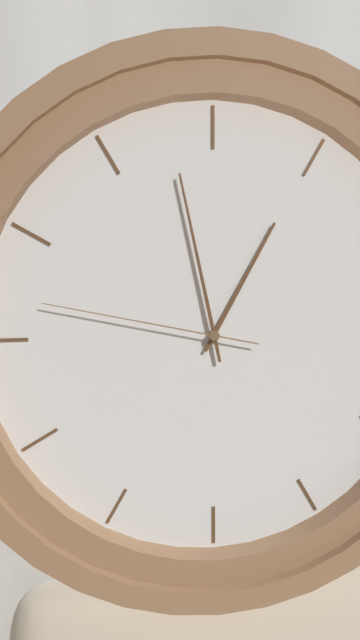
12:58:47
